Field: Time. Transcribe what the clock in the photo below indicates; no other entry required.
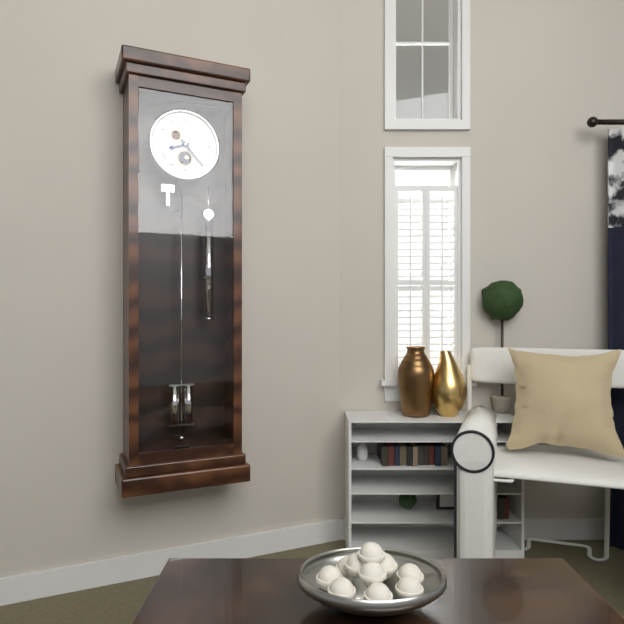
8:23
